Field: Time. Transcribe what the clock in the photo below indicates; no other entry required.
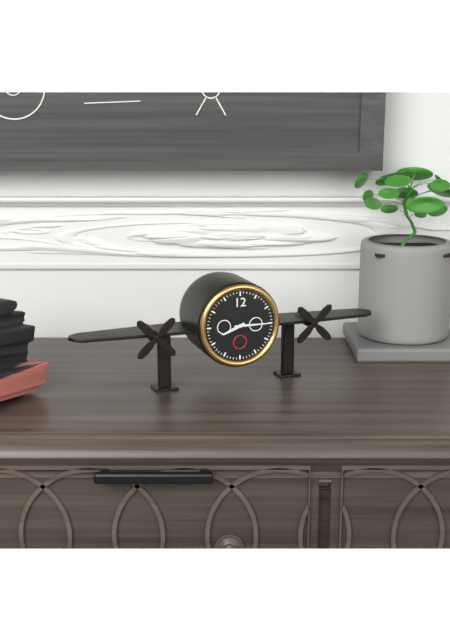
8:15
